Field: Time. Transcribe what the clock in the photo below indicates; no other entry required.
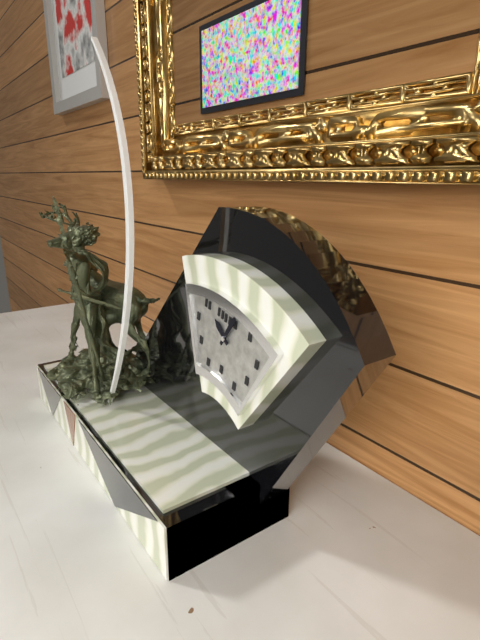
10:04
